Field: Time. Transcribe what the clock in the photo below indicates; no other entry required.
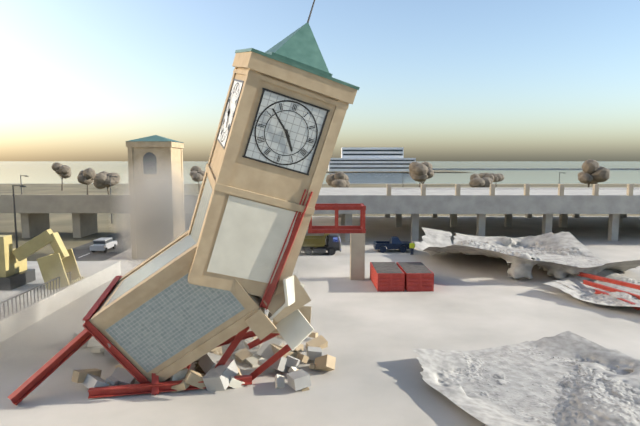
4:52
